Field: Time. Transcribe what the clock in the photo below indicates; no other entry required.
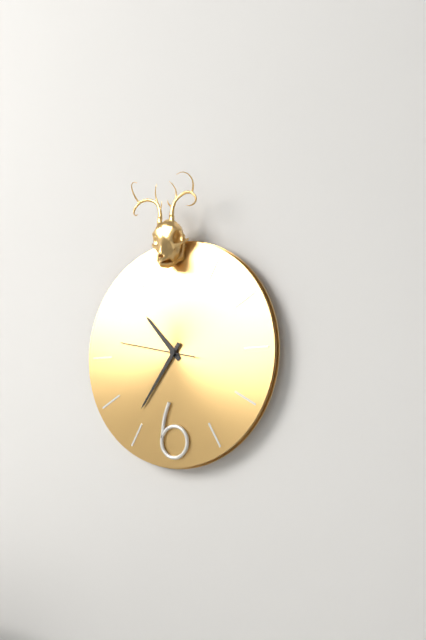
10:36:47
